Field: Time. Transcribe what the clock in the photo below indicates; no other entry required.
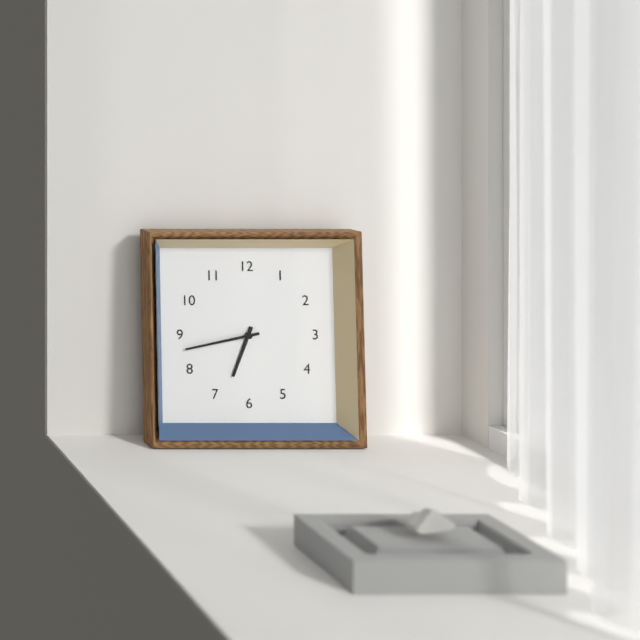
6:43
